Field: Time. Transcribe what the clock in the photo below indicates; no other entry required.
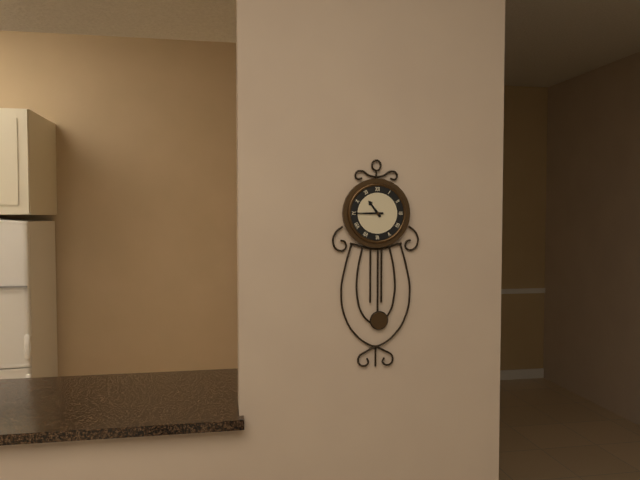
10:45
